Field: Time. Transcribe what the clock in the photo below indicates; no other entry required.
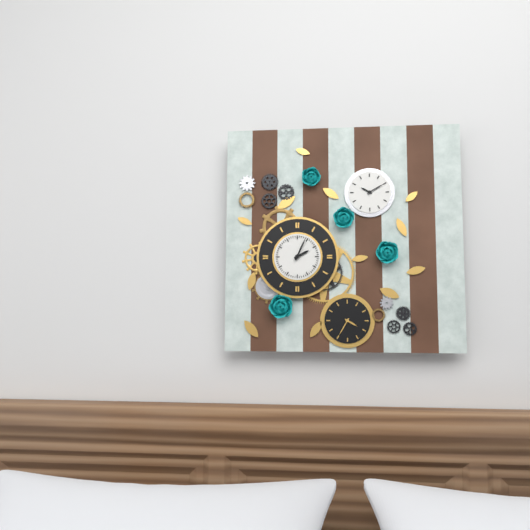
2:04
